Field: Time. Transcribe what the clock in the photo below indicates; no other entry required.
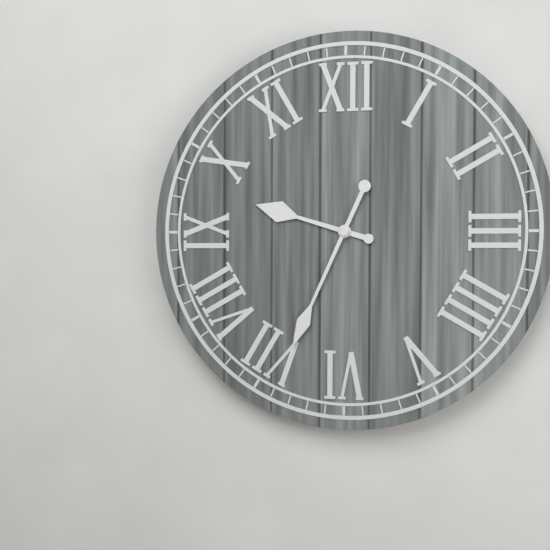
9:34
